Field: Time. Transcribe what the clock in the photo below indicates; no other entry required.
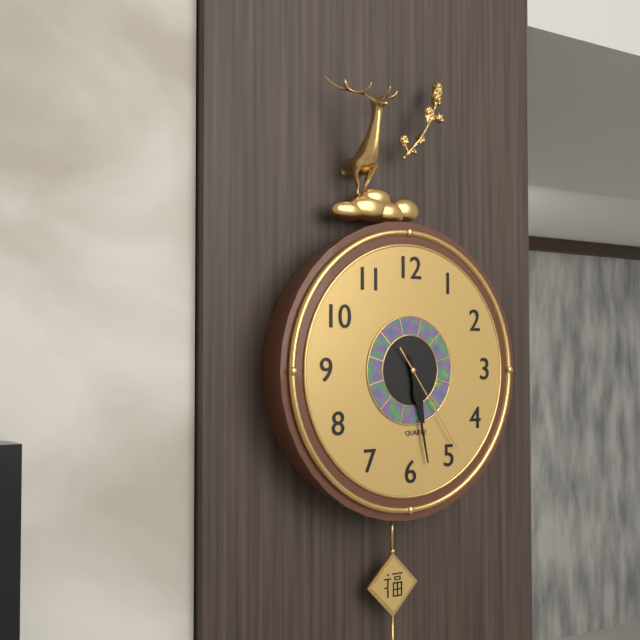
5:28:24
